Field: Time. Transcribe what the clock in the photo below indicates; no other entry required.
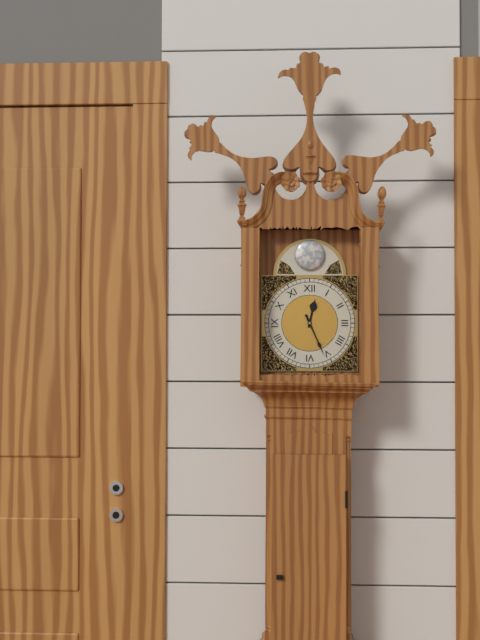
12:26
